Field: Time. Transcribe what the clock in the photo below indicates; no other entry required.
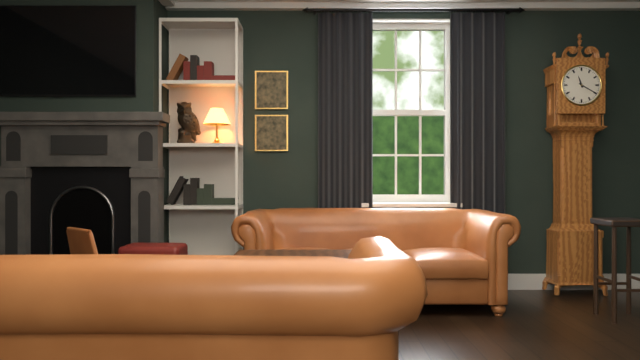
11:20
